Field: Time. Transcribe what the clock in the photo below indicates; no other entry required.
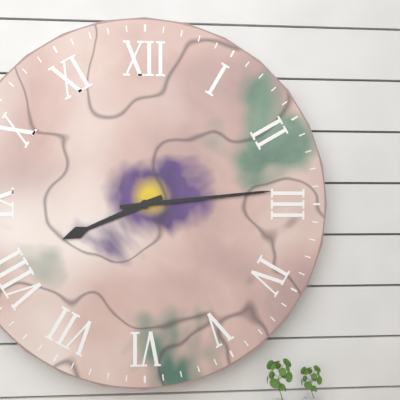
8:14
